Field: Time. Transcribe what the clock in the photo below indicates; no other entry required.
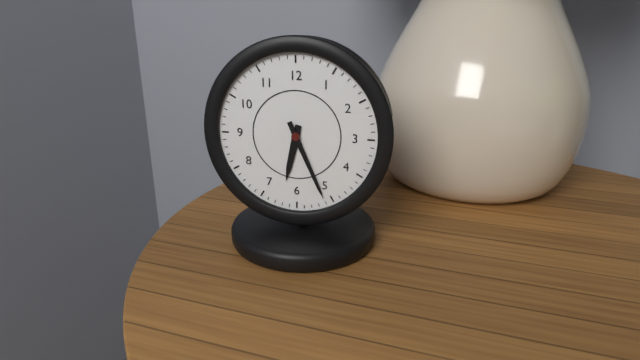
6:26
